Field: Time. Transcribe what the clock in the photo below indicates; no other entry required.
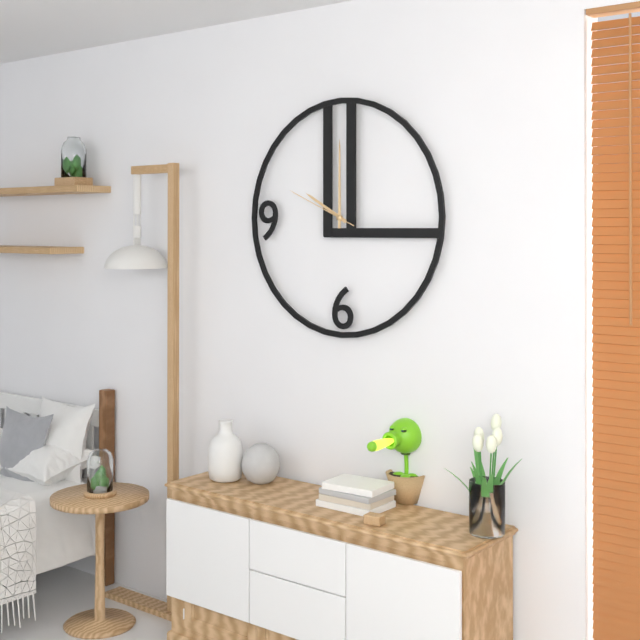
10:00:49
